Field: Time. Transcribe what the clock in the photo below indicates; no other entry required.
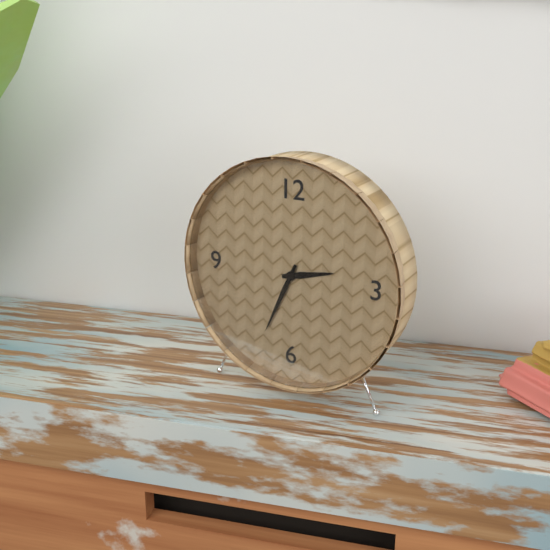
2:34
